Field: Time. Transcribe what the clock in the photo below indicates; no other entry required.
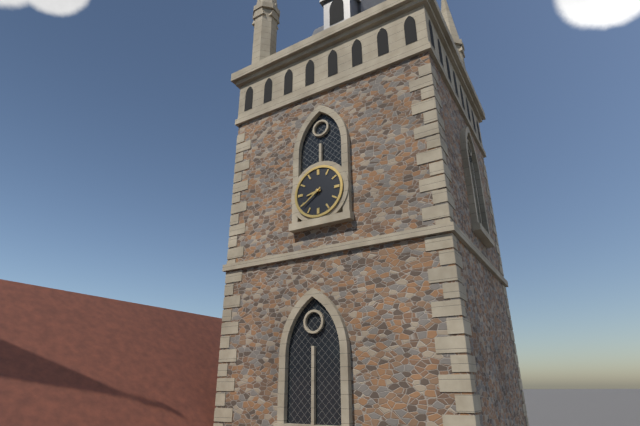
8:39
